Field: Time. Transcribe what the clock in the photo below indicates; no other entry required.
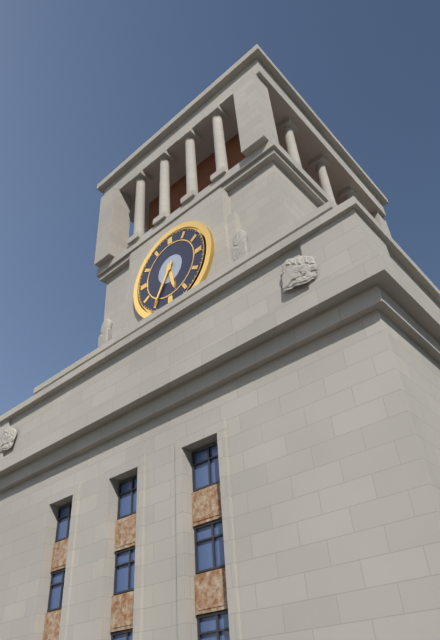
5:35
